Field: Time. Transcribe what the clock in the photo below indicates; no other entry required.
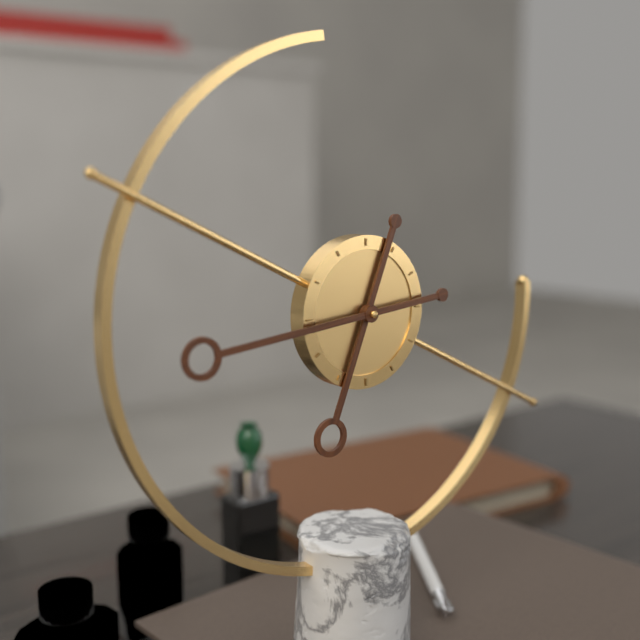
6:44
